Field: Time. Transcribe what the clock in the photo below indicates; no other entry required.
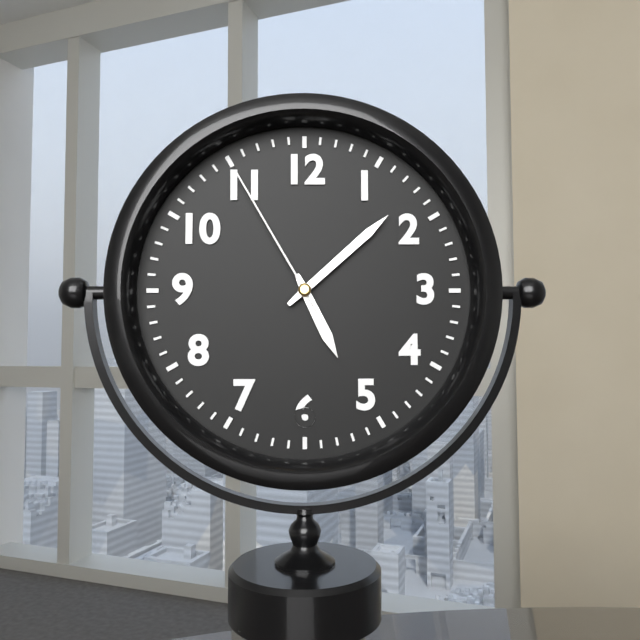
5:08:55
